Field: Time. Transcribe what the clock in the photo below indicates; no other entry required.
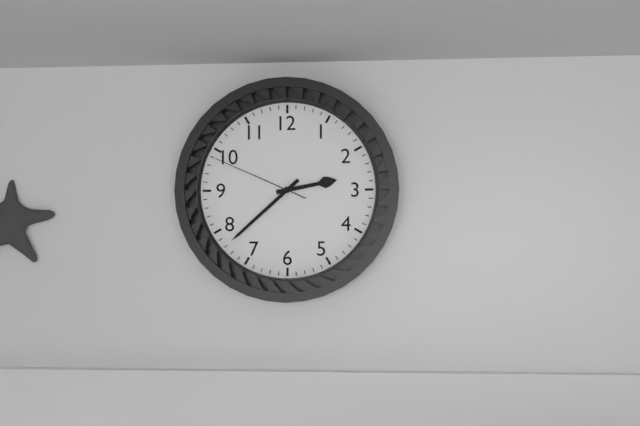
2:38:49
